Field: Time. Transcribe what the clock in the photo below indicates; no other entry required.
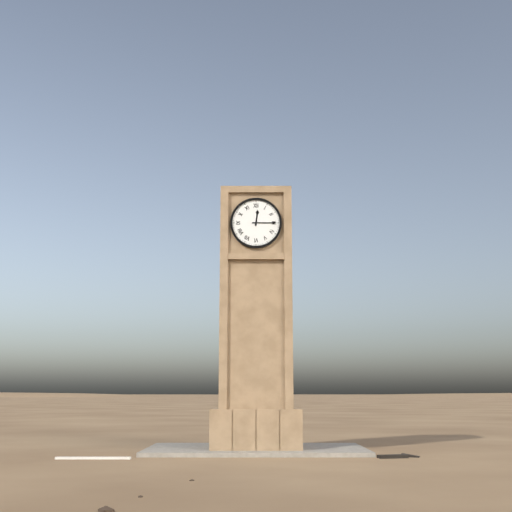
12:15
